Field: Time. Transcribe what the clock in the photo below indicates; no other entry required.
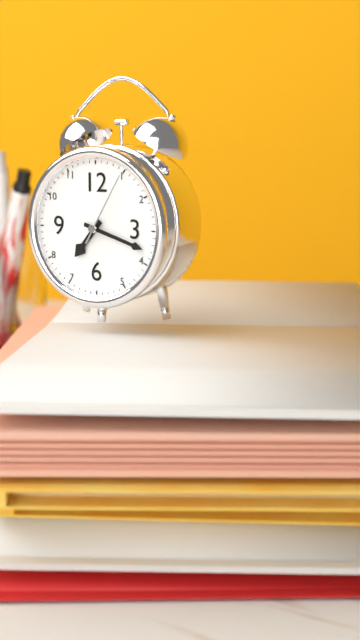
7:18:05
